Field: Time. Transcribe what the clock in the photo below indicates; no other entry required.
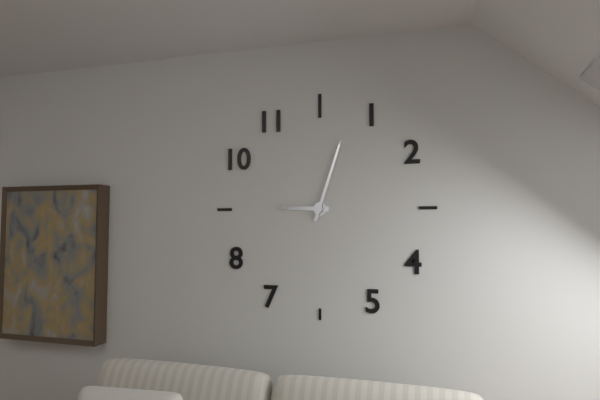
9:03
